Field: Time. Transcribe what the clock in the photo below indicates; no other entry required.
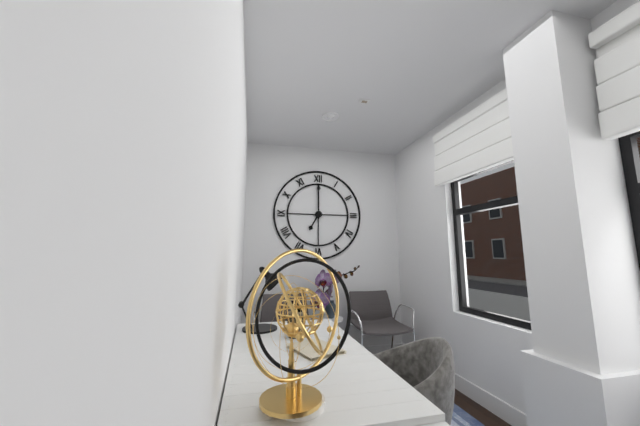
7:00
